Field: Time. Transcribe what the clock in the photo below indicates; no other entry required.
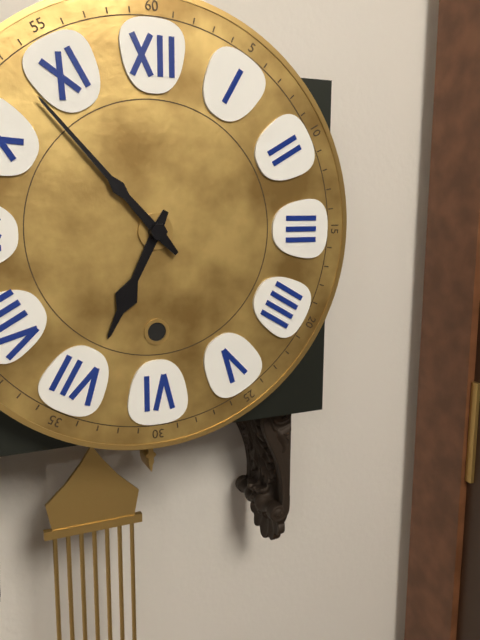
6:53
